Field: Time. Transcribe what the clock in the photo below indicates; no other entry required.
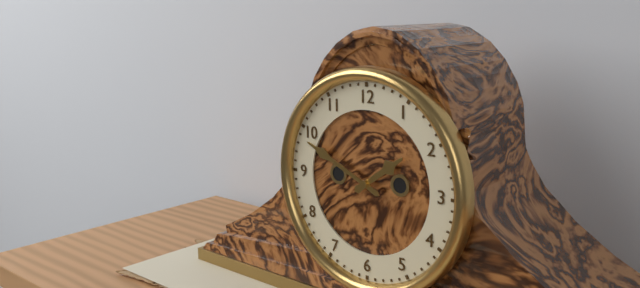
1:49
